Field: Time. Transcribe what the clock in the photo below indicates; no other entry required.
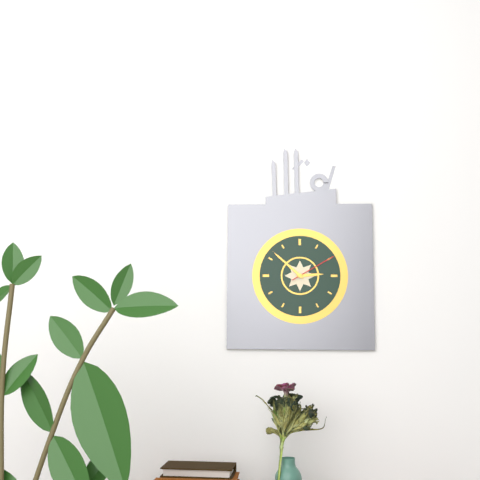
2:52
